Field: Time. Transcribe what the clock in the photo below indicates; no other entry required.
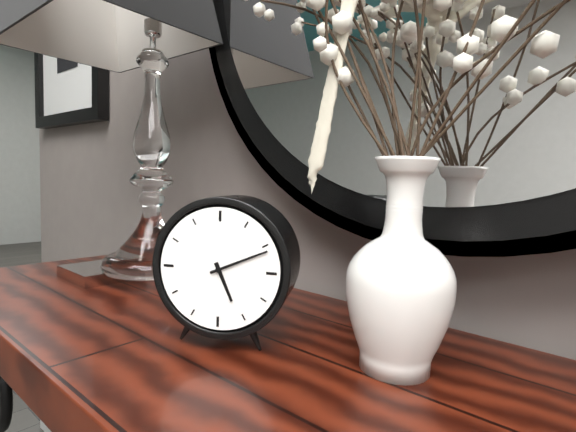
5:11
